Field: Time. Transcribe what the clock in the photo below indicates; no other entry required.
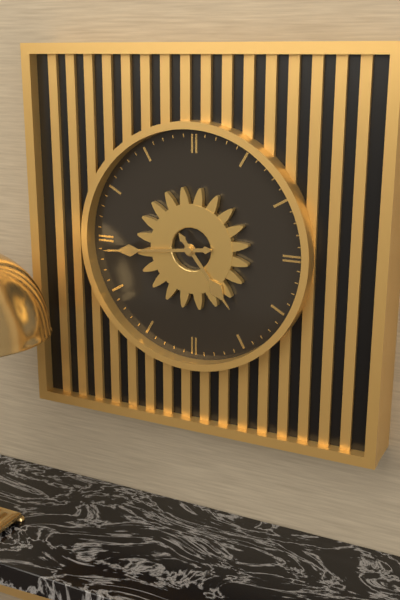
4:44
